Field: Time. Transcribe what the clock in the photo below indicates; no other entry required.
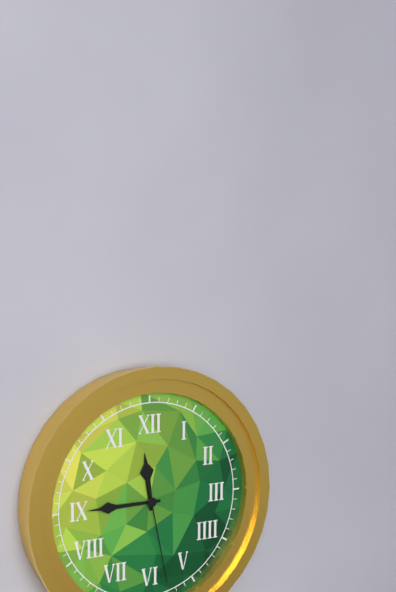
11:45:28
